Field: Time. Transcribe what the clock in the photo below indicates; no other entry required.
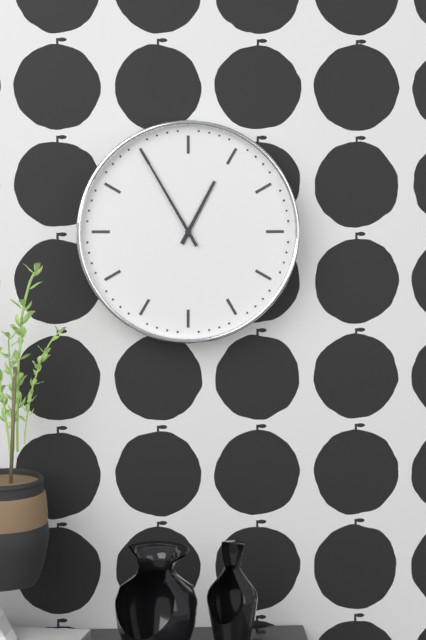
12:55
